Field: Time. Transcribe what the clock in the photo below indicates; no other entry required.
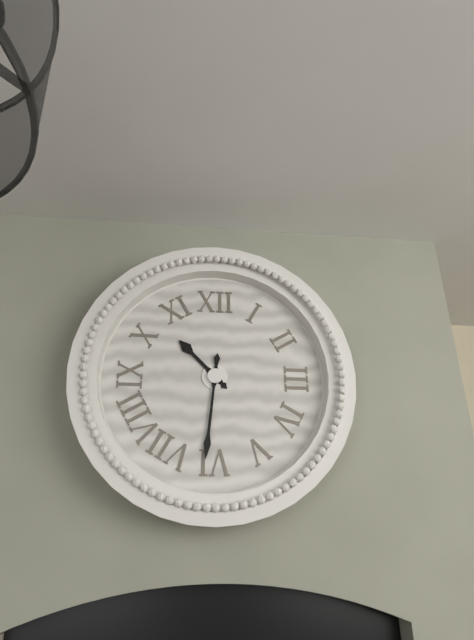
10:31
